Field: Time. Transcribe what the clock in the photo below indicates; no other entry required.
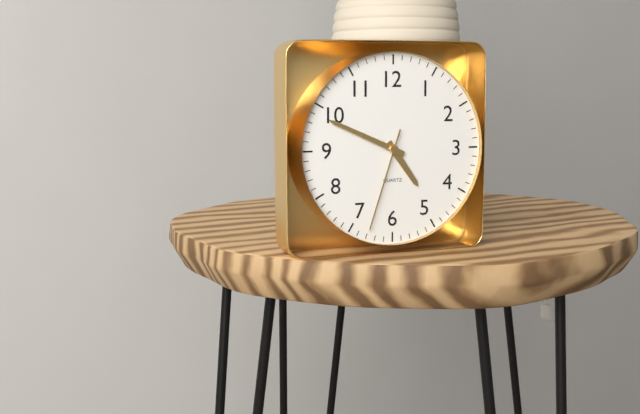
4:49:33
